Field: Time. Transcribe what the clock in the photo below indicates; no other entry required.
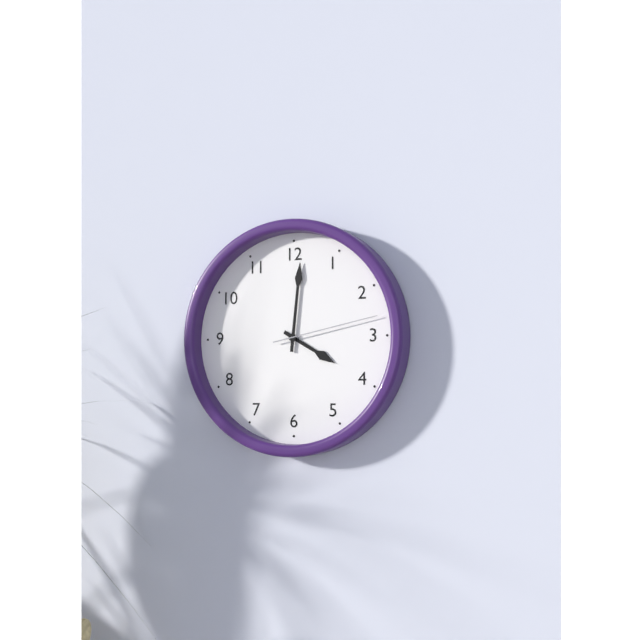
4:01:13
